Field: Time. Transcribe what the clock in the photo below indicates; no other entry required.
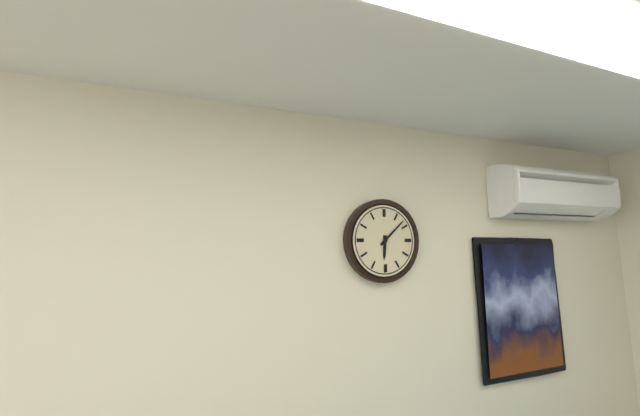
6:08
